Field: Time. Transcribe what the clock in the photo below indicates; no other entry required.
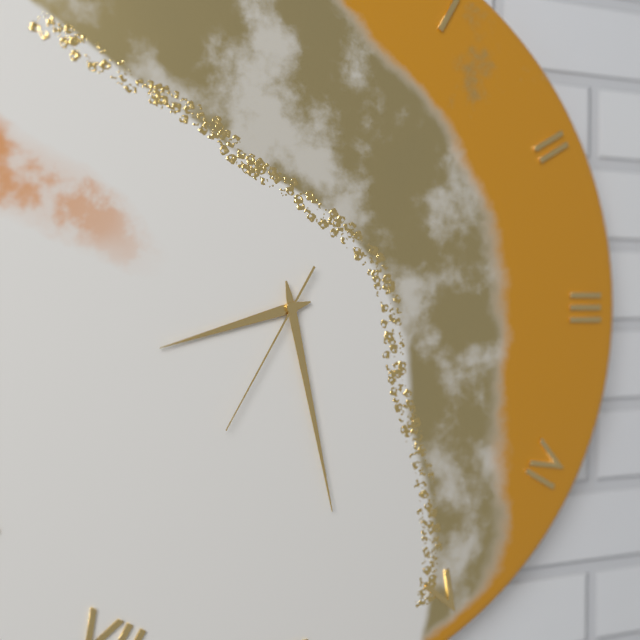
8:28:35
